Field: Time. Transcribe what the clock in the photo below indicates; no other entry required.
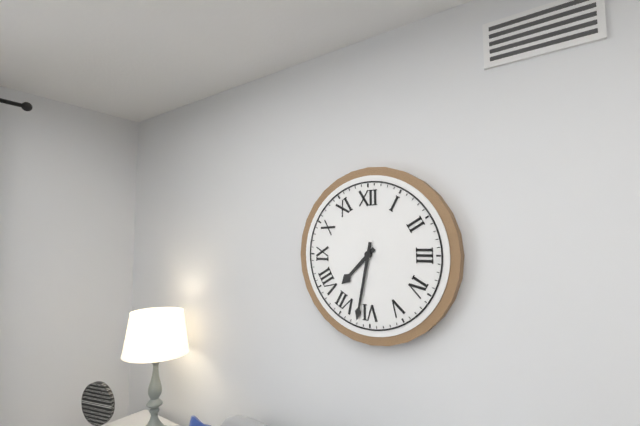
7:32
